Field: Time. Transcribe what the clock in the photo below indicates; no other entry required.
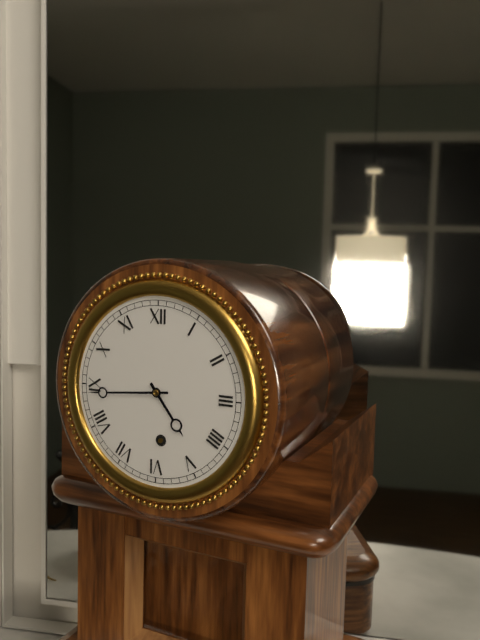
4:44
